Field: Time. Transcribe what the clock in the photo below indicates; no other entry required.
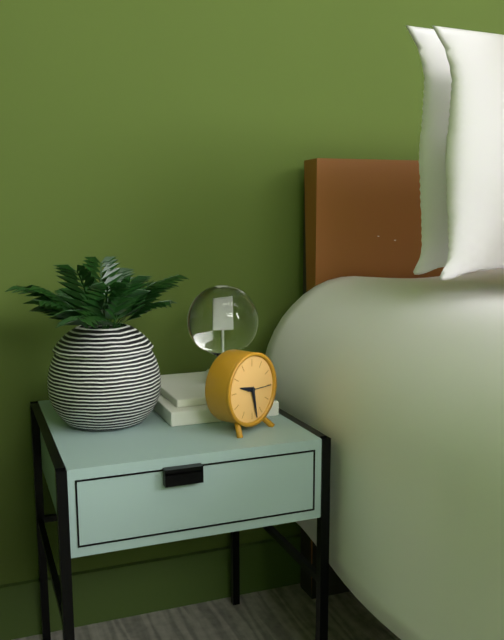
9:28
